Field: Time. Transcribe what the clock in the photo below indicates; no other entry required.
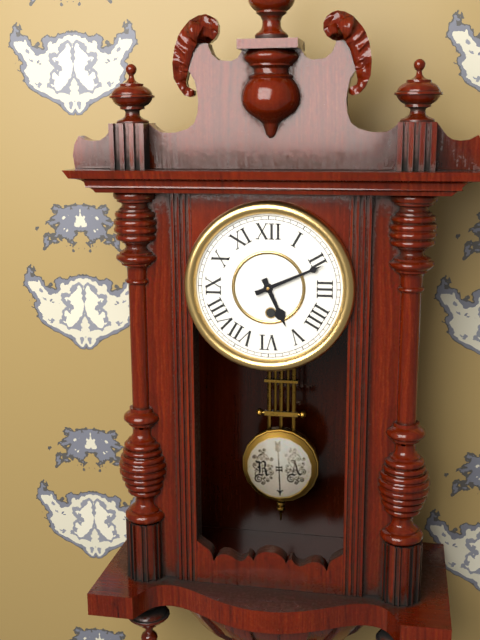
5:11
